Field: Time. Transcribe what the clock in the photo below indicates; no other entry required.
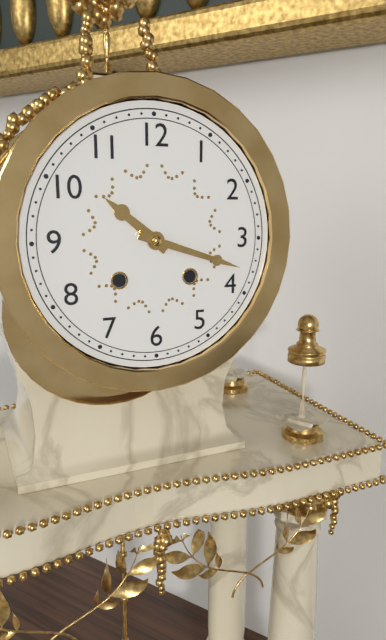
10:18
